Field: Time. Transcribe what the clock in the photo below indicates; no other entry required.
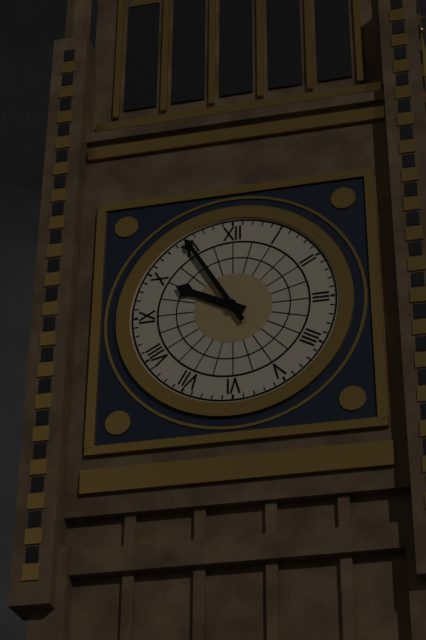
9:55
